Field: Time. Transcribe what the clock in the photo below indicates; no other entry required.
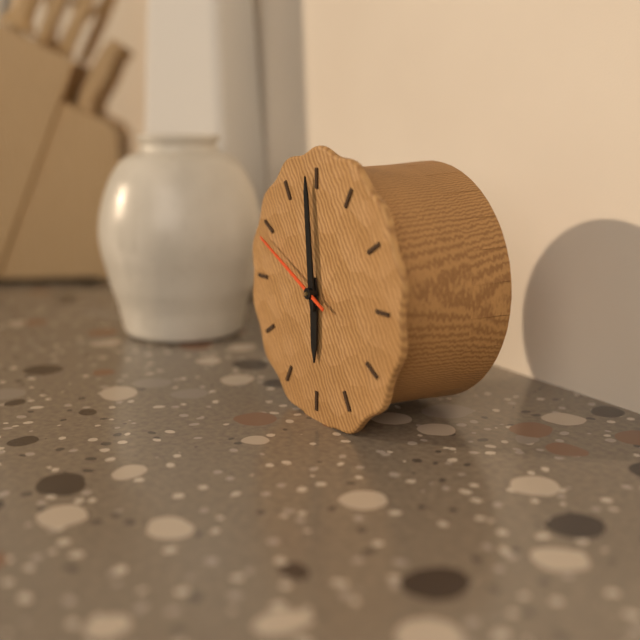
5:59:49
